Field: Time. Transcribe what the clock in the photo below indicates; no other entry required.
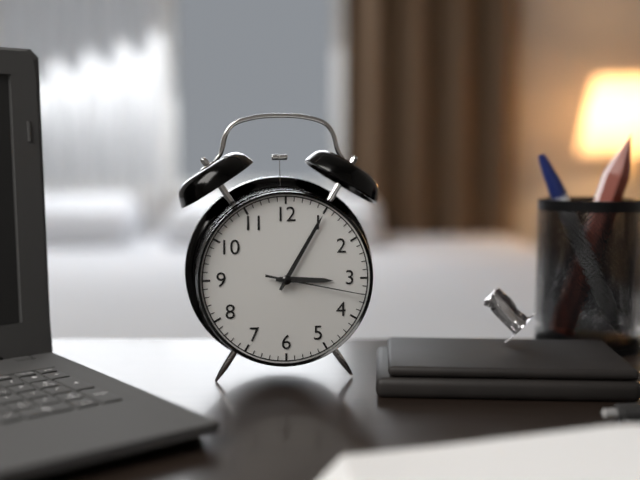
3:05:17
